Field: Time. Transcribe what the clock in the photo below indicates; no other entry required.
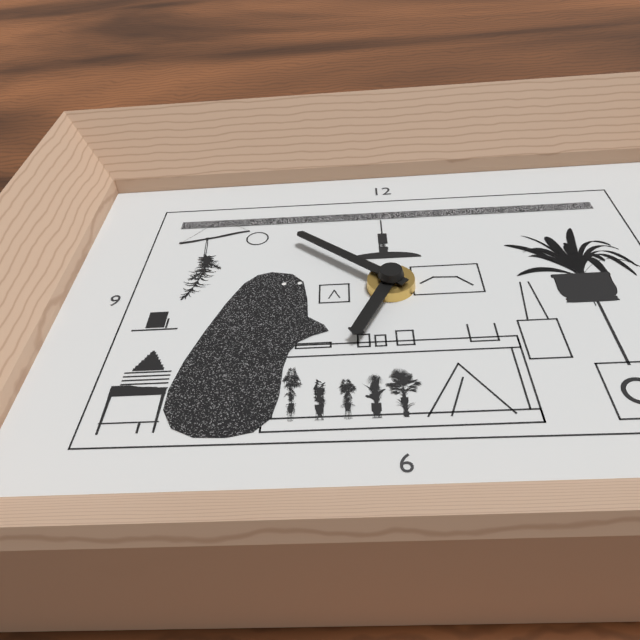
6:52
